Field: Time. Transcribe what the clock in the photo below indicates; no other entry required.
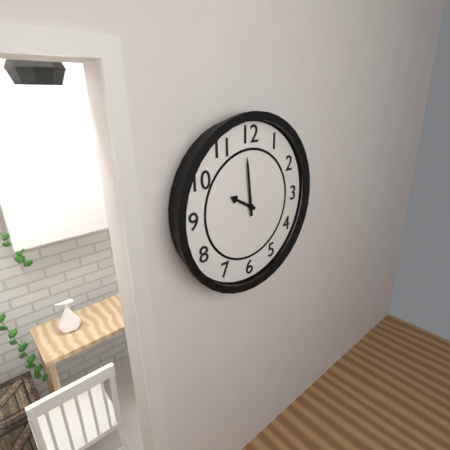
9:59
